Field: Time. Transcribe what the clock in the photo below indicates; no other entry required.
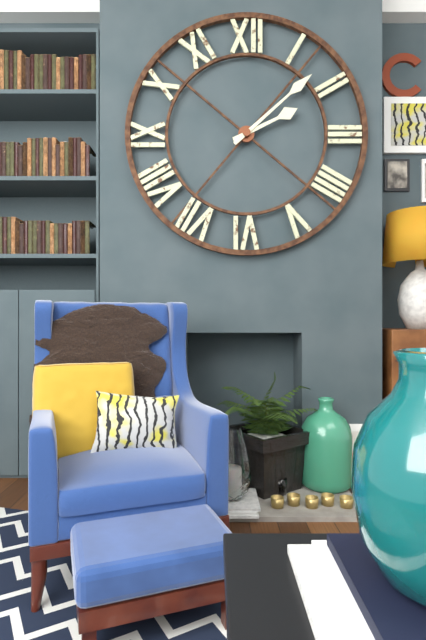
2:08
